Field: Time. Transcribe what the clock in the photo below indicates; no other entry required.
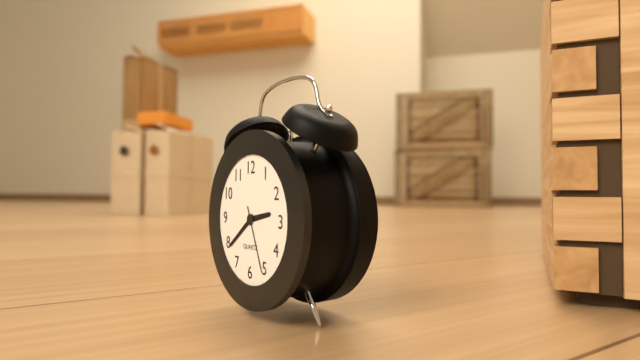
2:39:26
